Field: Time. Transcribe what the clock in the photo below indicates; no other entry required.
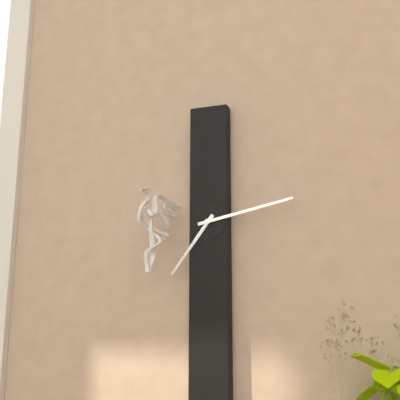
7:13
